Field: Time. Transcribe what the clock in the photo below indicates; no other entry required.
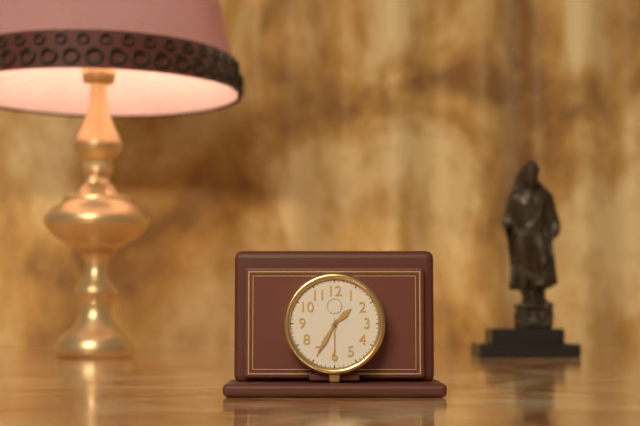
1:35
